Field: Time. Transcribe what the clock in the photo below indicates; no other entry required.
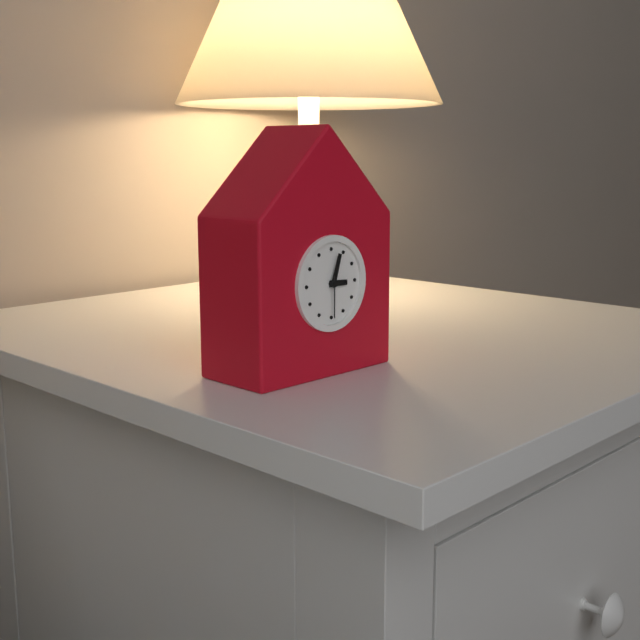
3:03
